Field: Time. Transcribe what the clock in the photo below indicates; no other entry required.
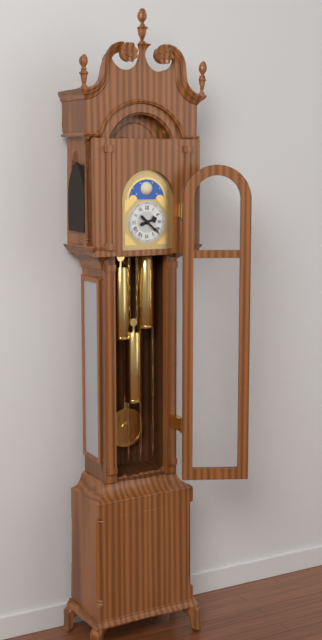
2:22
